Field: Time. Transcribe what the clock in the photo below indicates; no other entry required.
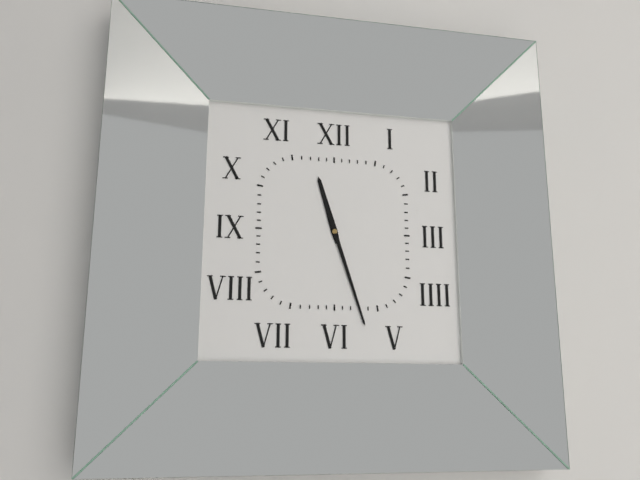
11:27
